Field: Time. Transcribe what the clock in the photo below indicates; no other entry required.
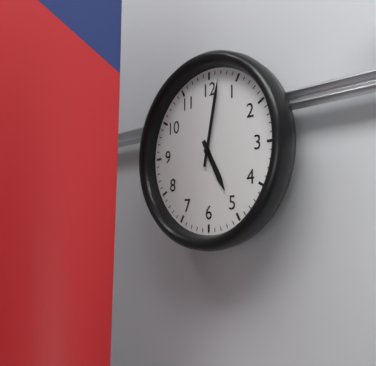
5:02
